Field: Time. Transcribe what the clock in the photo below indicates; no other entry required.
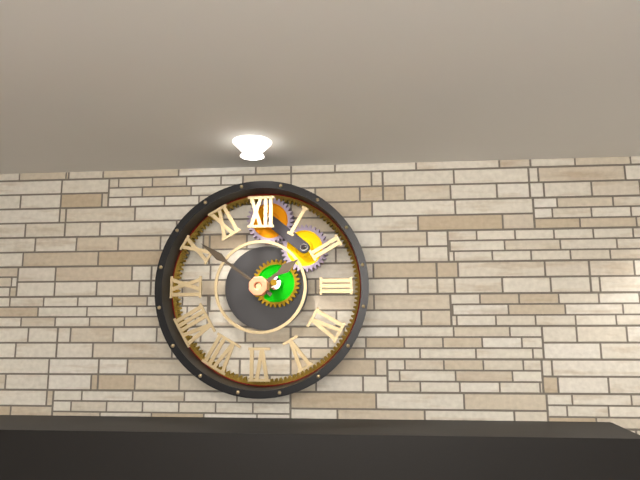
1:51
